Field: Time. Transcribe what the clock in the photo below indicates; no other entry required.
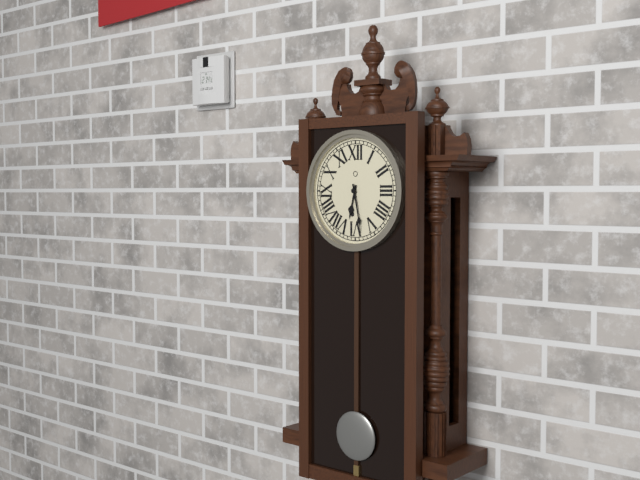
6:28
